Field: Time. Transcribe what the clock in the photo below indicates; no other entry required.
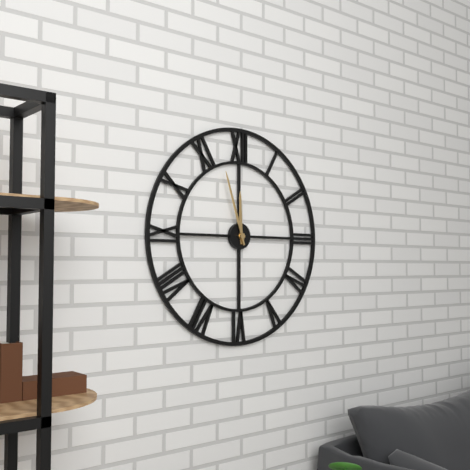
11:57
